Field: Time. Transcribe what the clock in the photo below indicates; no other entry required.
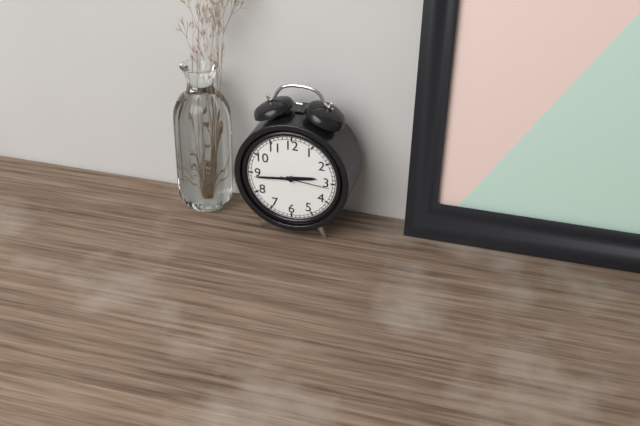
2:44:16
